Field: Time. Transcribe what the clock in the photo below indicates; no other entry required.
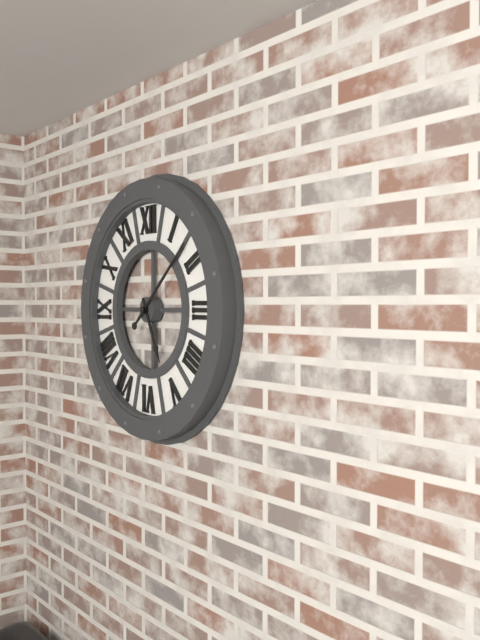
5:08
